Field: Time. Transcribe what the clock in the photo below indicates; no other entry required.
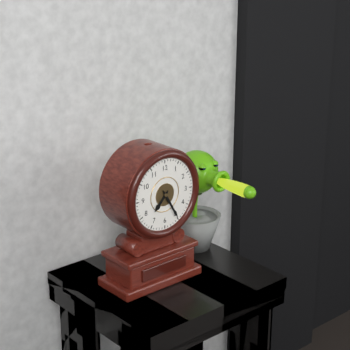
7:25
